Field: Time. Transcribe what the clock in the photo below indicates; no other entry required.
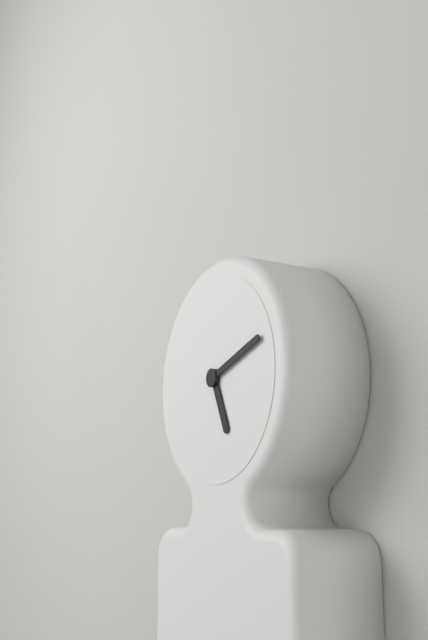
5:12
